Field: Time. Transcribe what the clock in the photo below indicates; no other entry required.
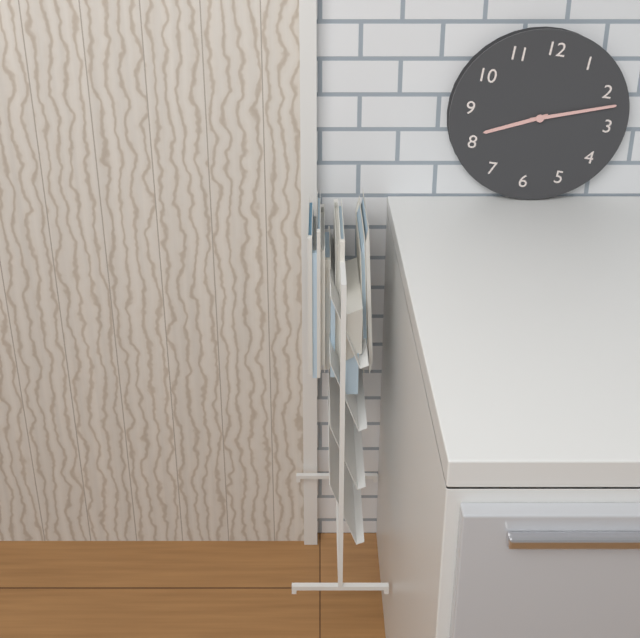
8:12
